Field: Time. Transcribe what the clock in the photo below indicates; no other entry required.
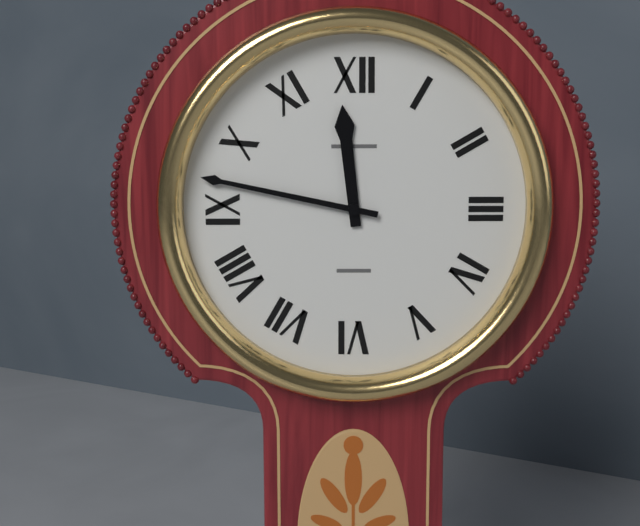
11:47
